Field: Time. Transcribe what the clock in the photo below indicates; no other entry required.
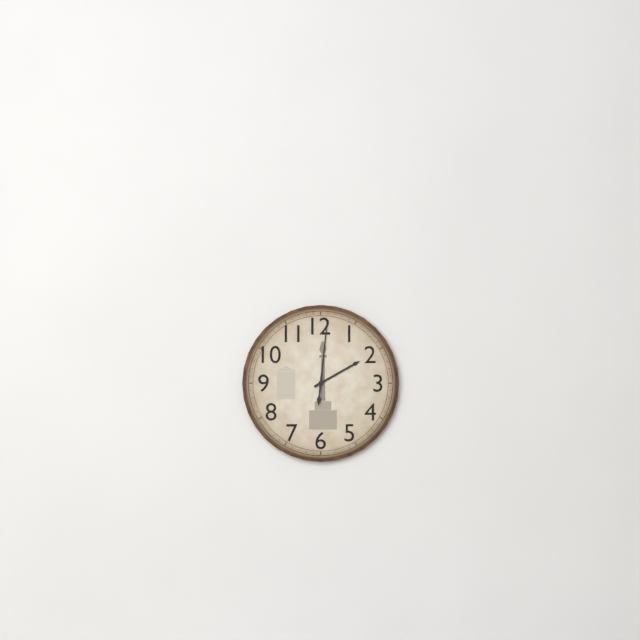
2:01
